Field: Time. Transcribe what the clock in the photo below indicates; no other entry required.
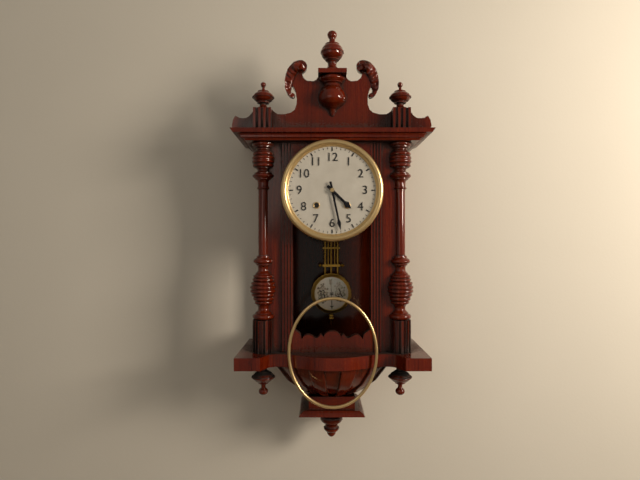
4:28
